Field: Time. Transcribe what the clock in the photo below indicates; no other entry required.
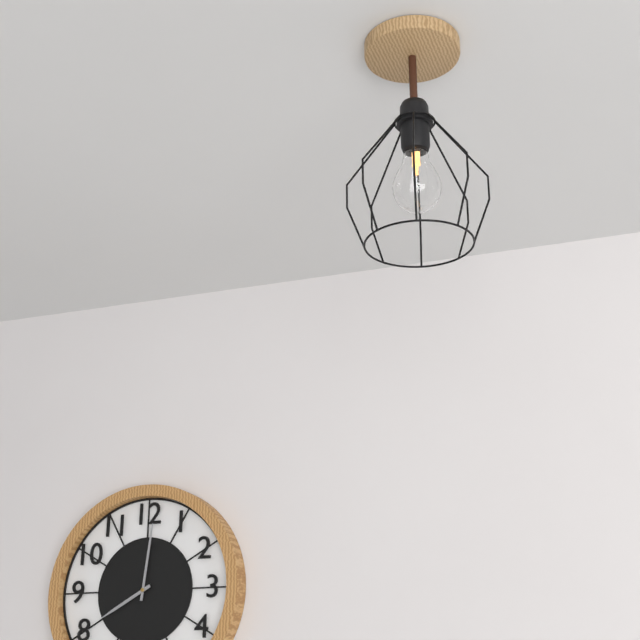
8:01
